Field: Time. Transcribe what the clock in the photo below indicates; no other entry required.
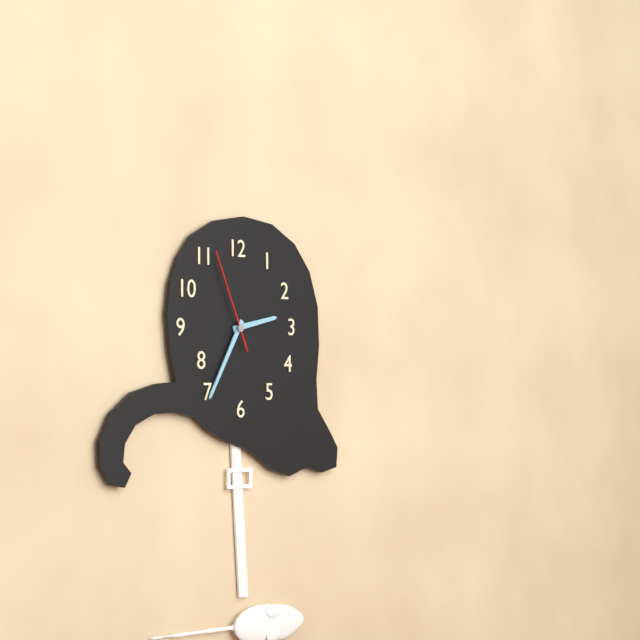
2:35:56
